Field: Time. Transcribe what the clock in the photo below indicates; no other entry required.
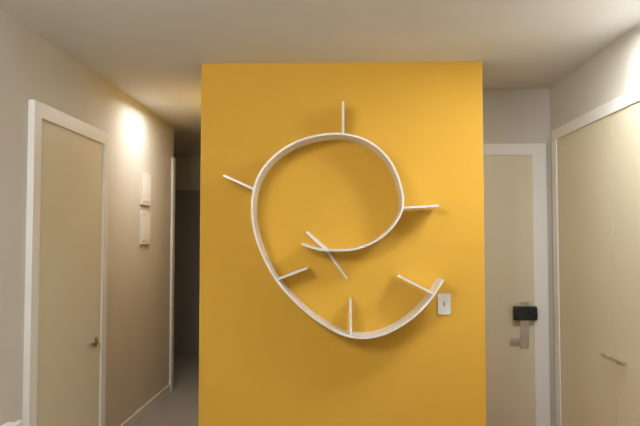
10:24
